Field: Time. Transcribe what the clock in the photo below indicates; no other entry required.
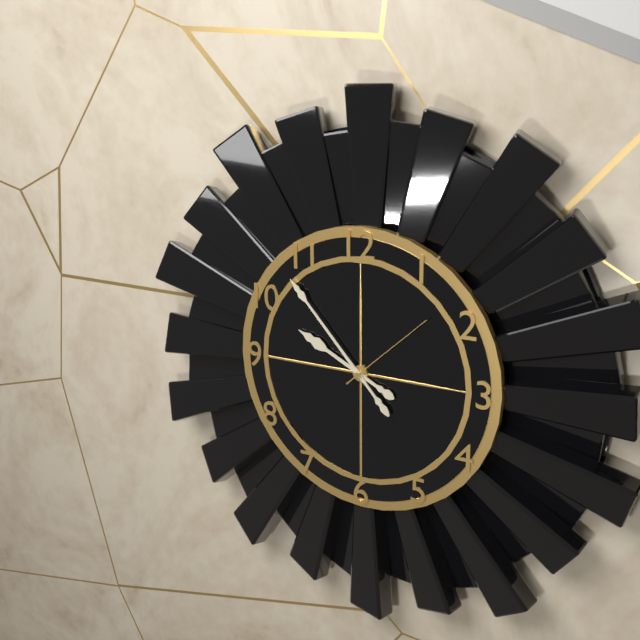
9:53:08
